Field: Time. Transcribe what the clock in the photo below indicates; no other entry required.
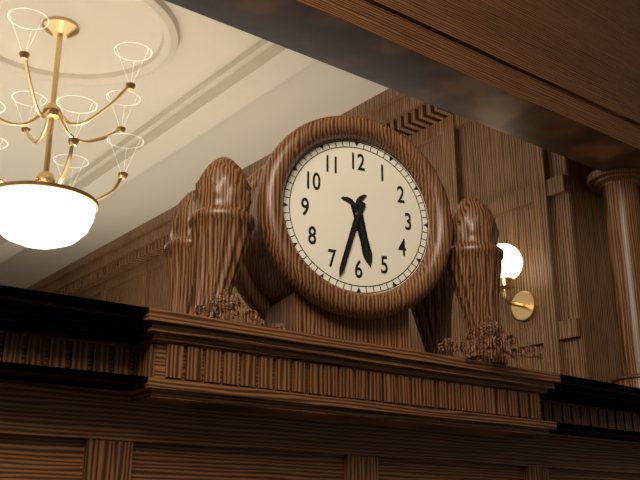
5:33
